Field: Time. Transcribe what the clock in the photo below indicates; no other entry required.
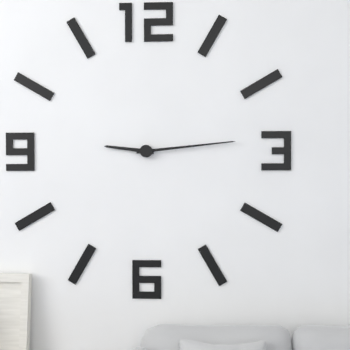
9:14
